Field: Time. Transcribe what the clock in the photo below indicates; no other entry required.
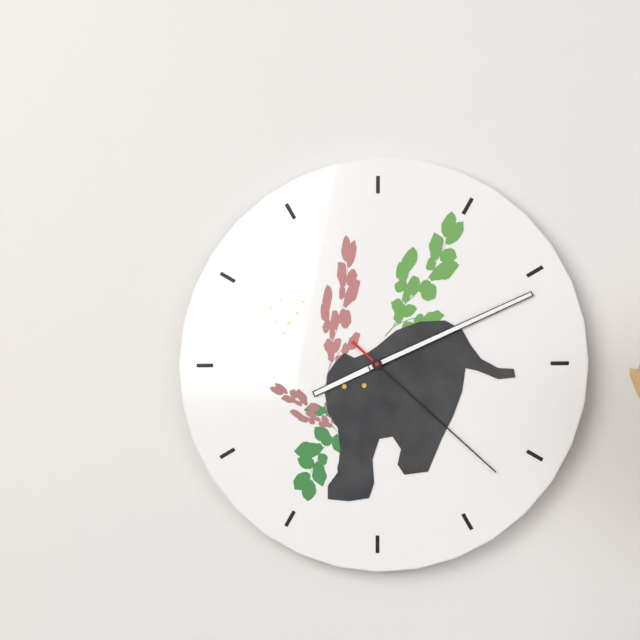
8:11:22
